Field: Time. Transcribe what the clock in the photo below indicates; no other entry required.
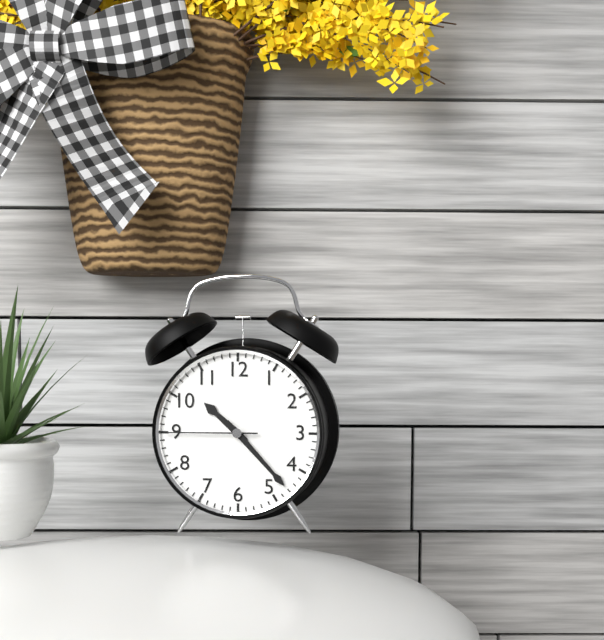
10:23:45
